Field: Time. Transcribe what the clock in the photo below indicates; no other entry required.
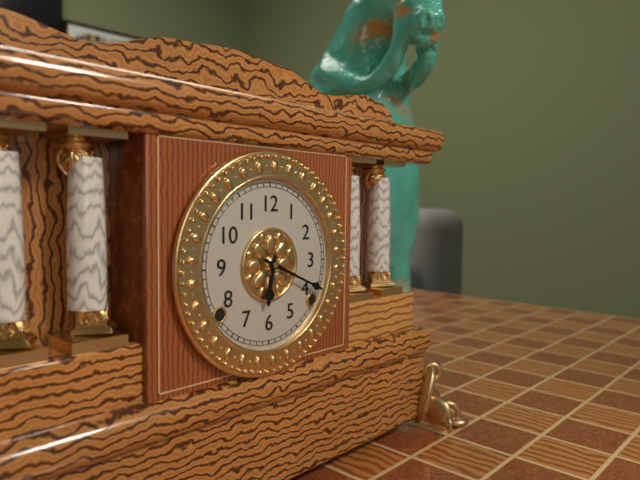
6:19
